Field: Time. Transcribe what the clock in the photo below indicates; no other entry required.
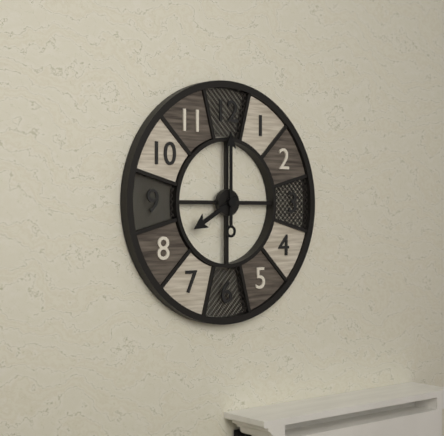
8:00
